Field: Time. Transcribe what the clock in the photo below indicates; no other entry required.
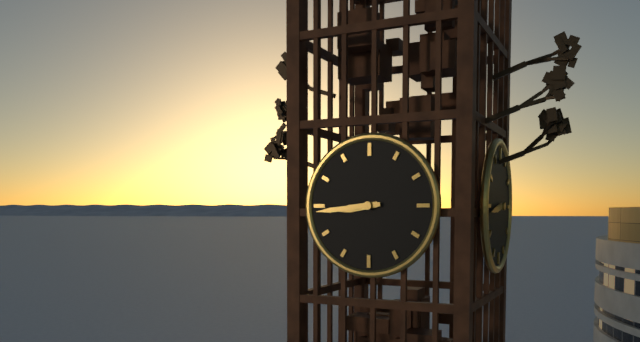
8:44
